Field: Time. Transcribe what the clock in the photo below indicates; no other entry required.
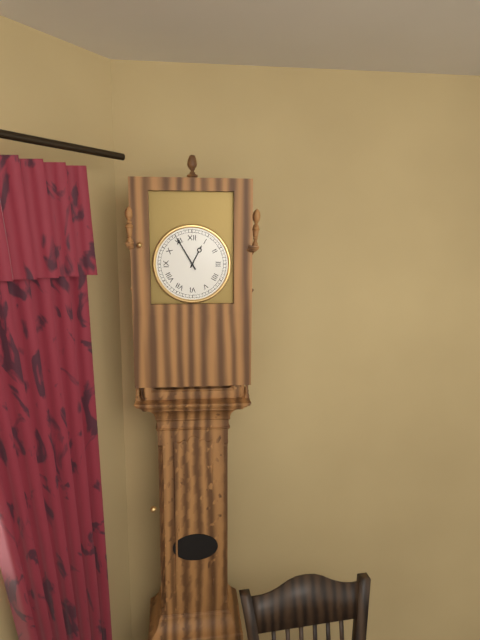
12:55
